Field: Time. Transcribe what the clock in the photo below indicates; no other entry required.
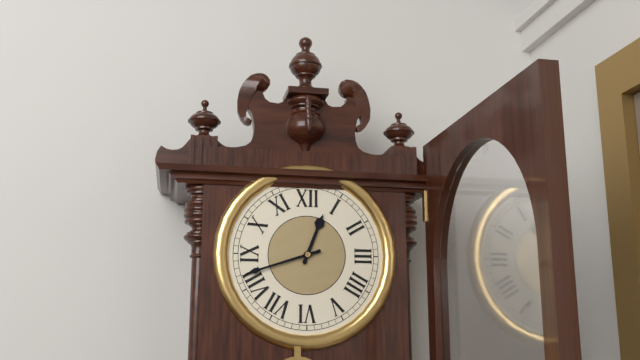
12:42
